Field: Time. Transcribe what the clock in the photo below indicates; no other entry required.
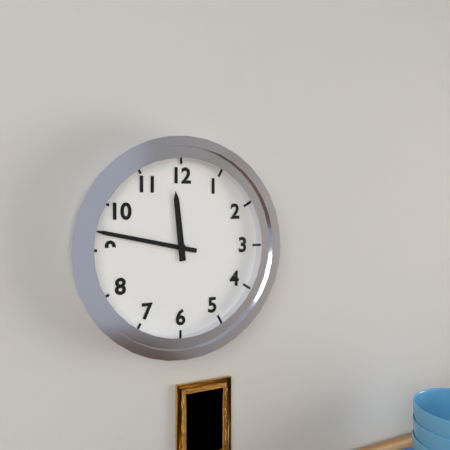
11:47
